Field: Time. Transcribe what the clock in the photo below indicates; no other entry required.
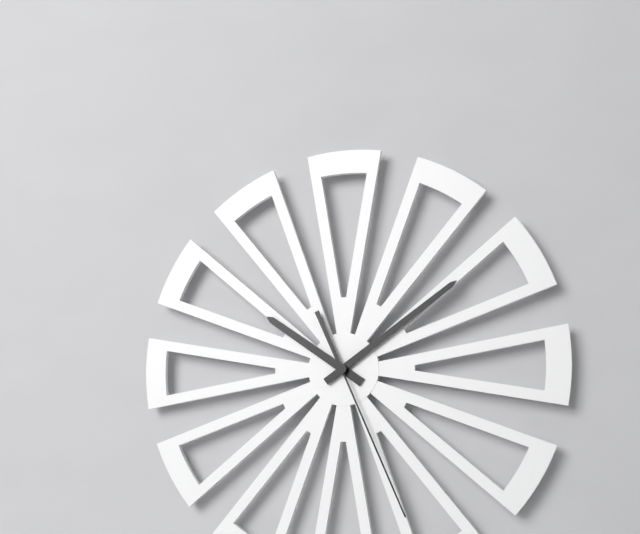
10:09:26
